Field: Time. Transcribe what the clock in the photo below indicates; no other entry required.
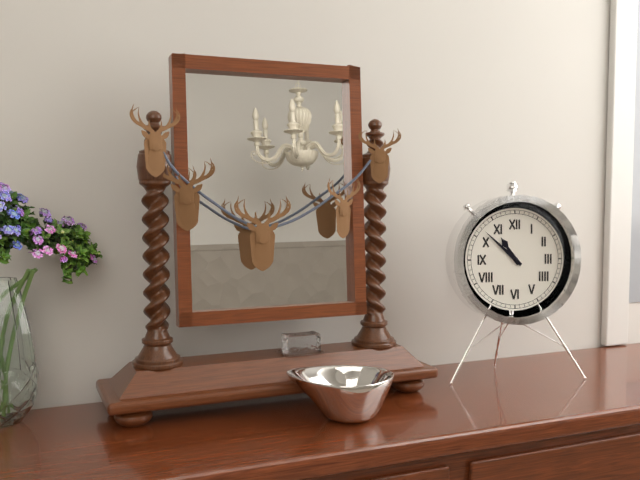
10:52
